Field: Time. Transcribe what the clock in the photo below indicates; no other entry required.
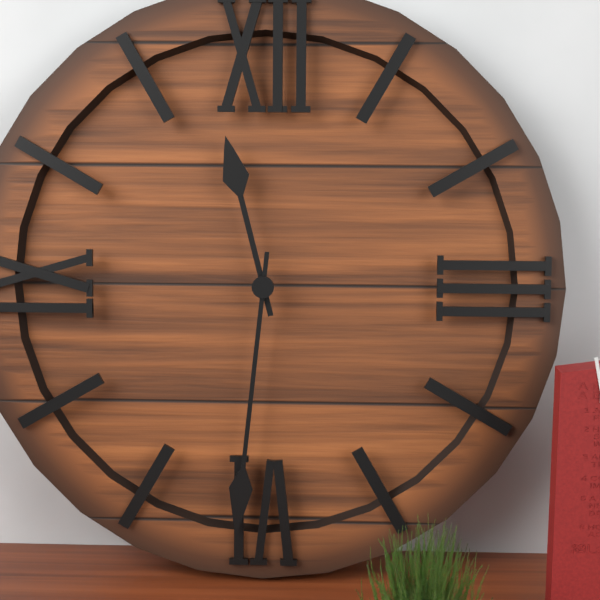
11:31
